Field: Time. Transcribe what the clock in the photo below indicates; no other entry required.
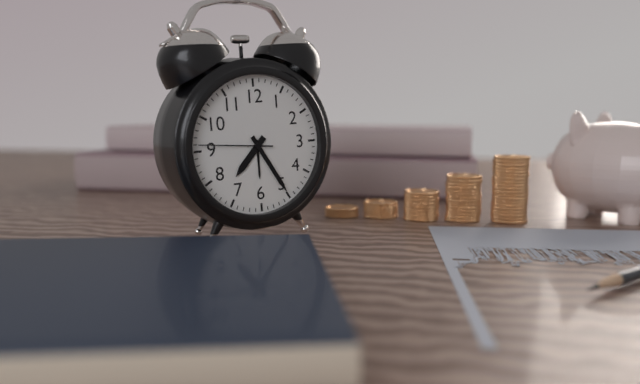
7:25:46
